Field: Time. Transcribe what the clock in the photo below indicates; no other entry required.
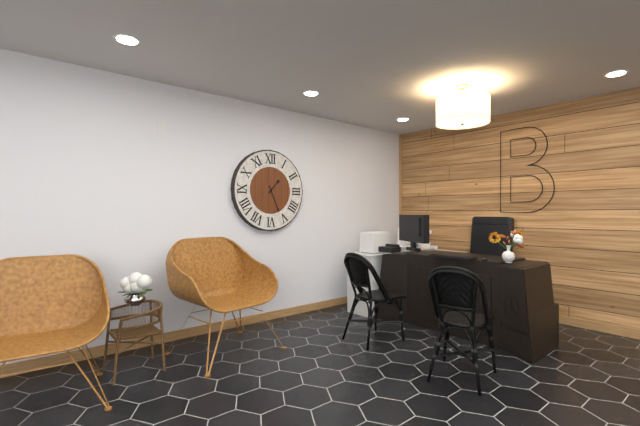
1:26
